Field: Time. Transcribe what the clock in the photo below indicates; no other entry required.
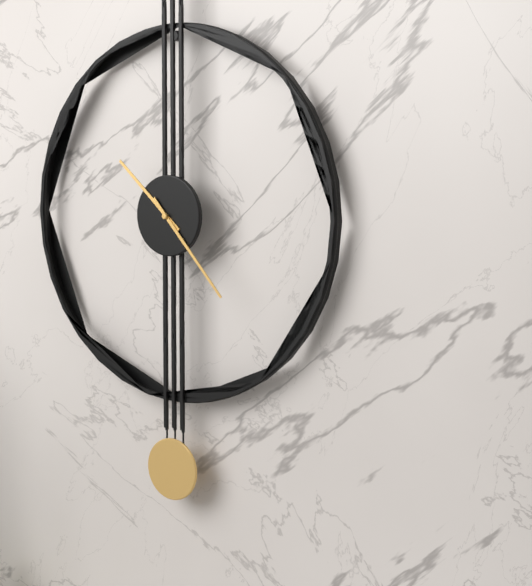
10:23
